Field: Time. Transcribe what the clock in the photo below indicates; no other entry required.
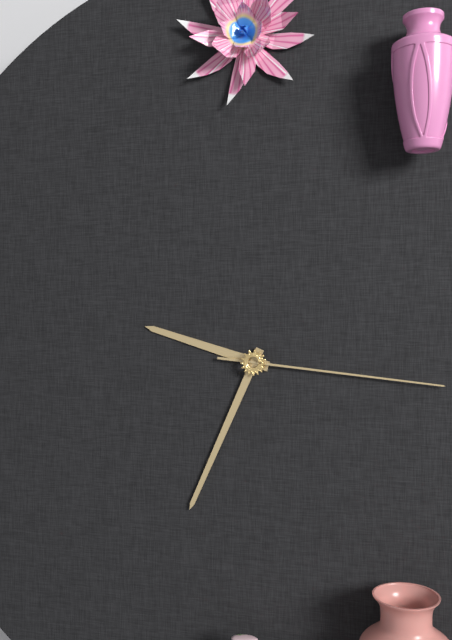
9:34:16
